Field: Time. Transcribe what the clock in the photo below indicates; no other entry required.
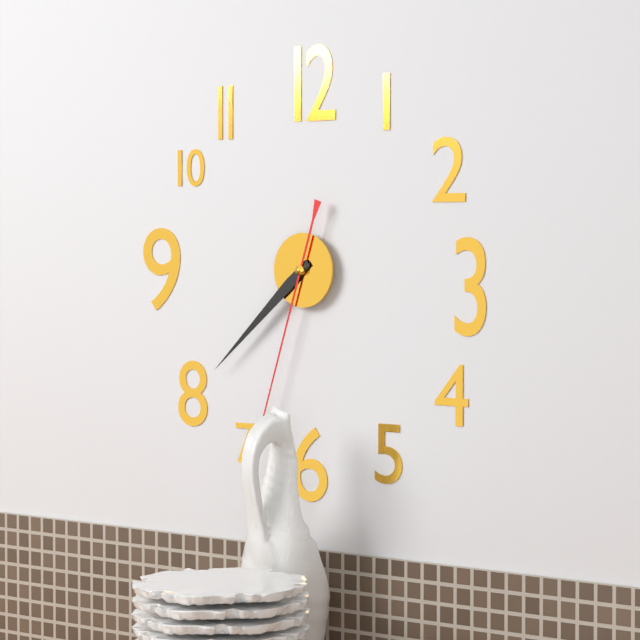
7:38:33
